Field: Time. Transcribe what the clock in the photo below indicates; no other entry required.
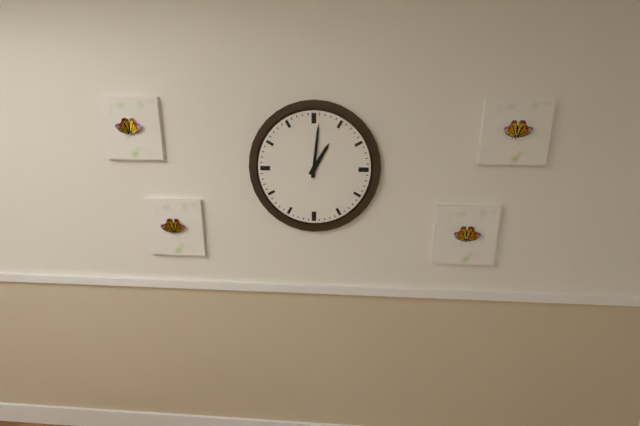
1:01
